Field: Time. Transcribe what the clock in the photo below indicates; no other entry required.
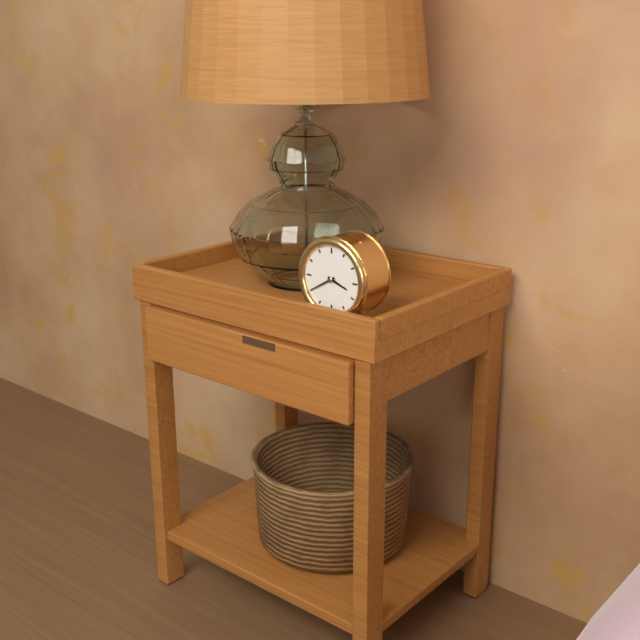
3:40
